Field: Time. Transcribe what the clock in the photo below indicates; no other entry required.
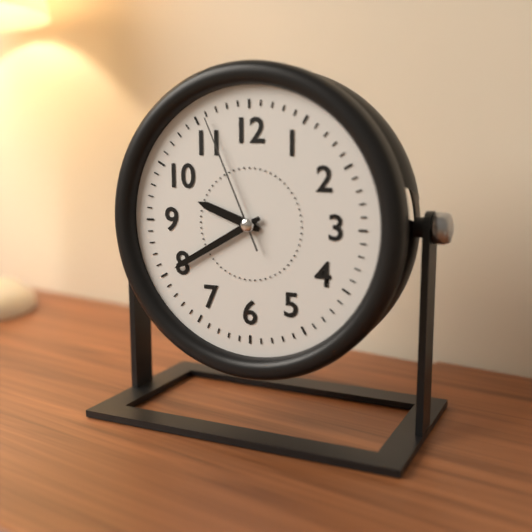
9:40:56
